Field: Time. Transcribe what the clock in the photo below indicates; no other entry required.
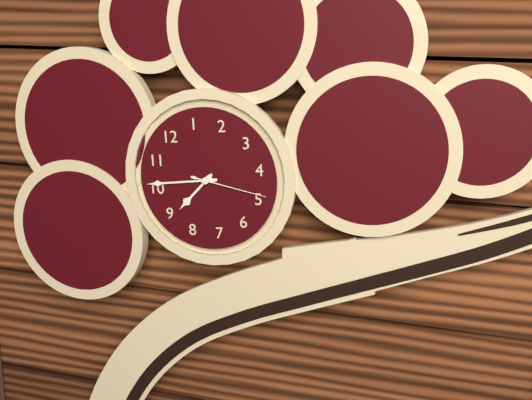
8:51:24
